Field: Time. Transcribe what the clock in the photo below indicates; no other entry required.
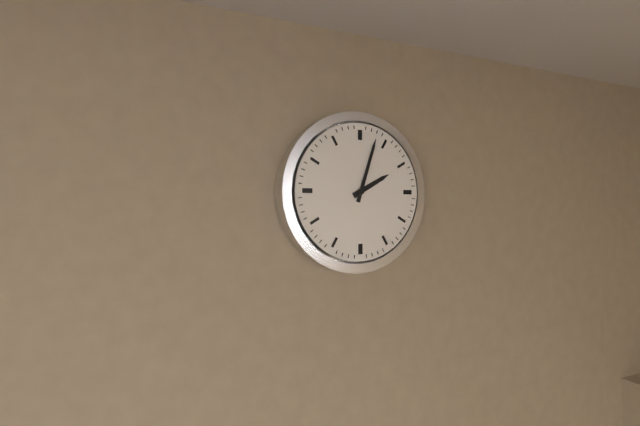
2:03
